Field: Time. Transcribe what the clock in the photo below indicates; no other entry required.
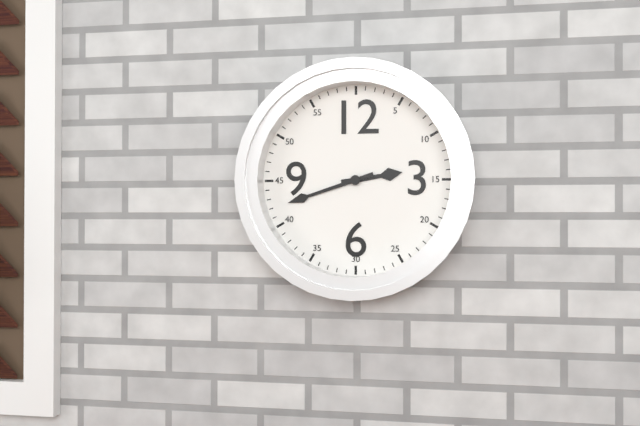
2:42
